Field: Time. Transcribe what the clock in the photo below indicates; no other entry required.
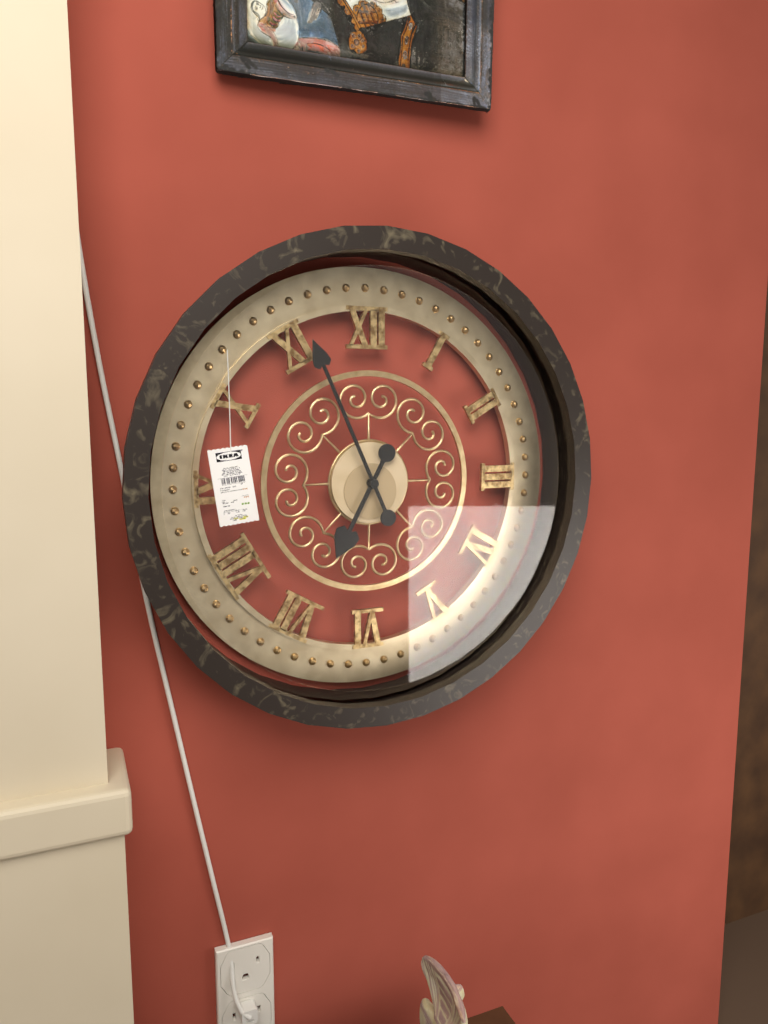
6:56
